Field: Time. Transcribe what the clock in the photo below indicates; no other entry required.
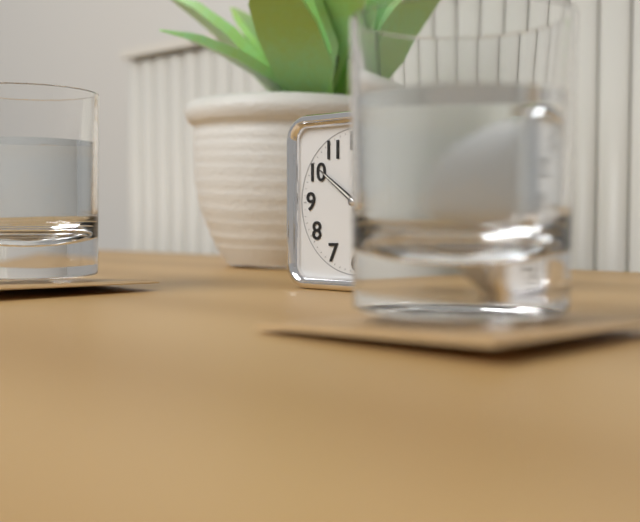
2:51:00
